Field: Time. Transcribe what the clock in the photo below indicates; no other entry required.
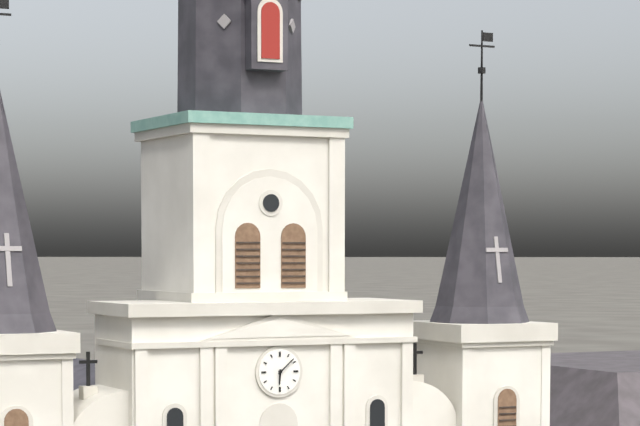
6:08
